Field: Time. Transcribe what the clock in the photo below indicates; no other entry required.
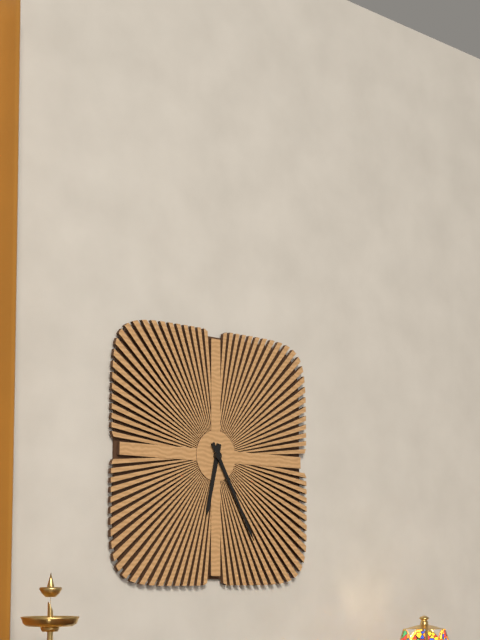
6:25
